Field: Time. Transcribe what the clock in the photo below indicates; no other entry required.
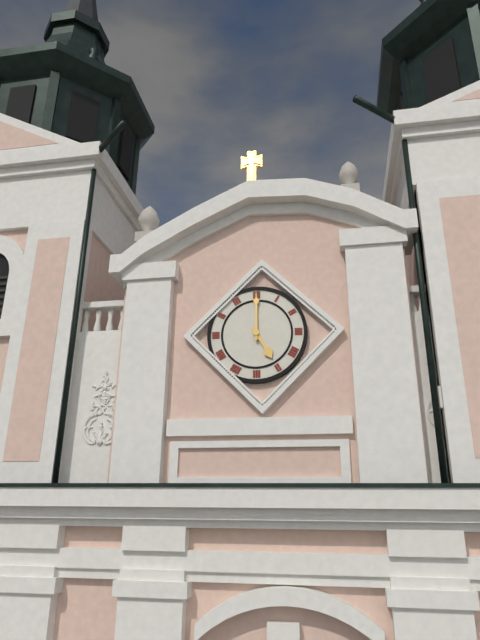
5:00
